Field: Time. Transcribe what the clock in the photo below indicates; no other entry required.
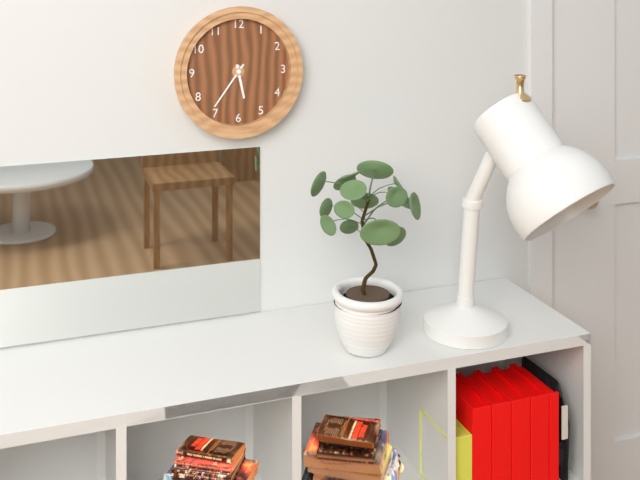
5:36
